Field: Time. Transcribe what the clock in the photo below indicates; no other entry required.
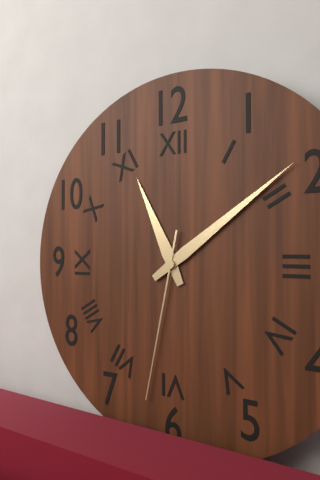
11:09:32
